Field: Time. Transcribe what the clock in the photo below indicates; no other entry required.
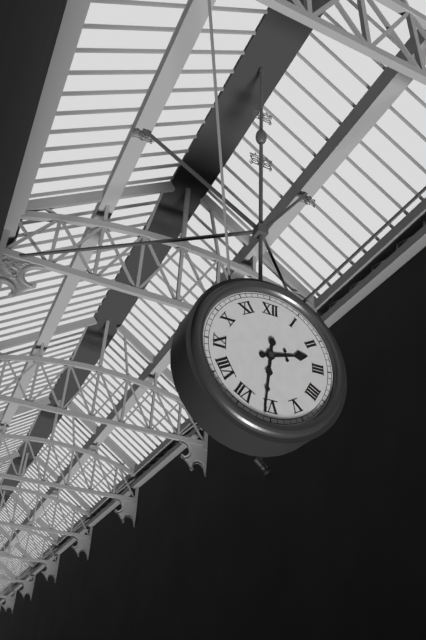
2:31
